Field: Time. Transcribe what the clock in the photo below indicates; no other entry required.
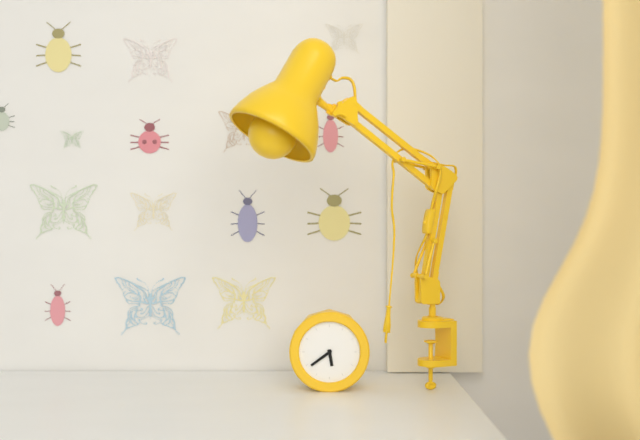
5:39
